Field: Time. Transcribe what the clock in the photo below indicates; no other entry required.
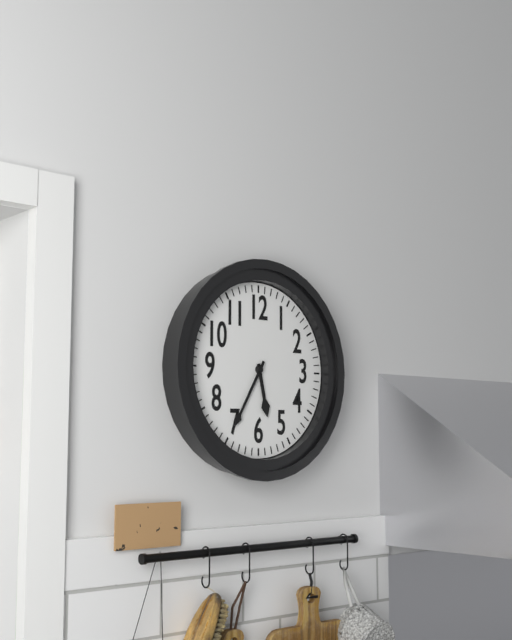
5:35
